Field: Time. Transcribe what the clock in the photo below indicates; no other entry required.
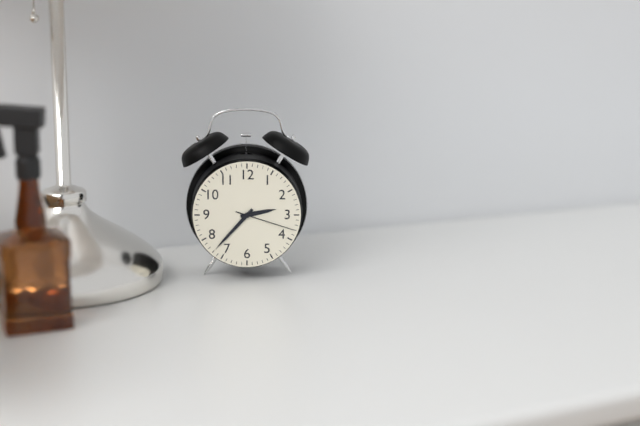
2:37:18
